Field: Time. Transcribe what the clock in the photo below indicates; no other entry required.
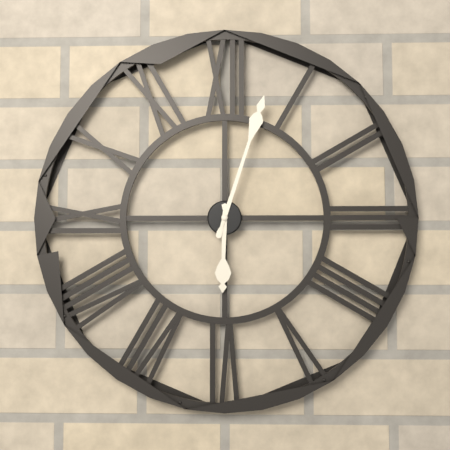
6:03
